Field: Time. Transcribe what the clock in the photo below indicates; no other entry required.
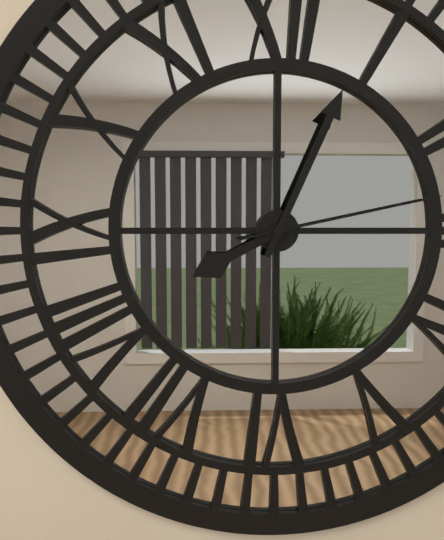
8:04:13
